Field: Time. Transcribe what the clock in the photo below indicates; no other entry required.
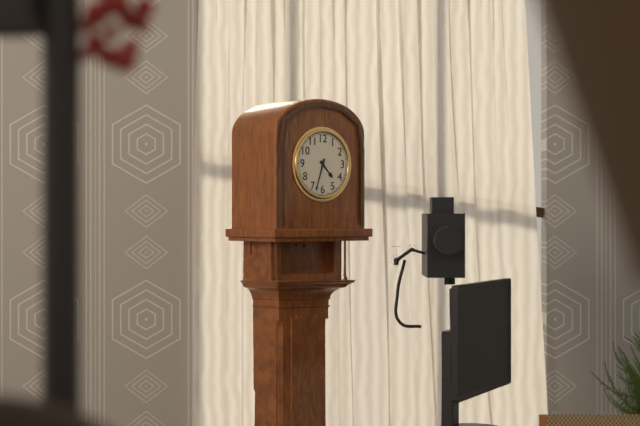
4:33
